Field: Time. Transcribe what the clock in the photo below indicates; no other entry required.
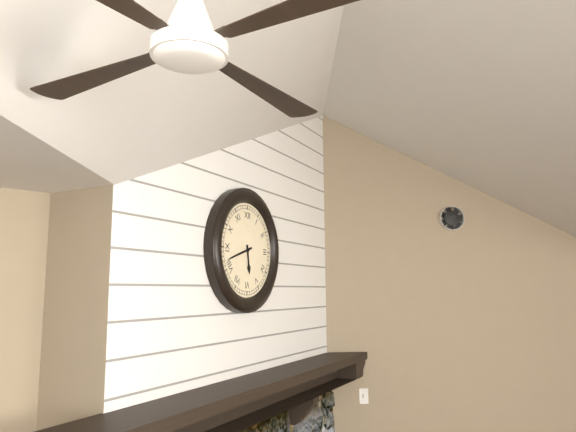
5:42
